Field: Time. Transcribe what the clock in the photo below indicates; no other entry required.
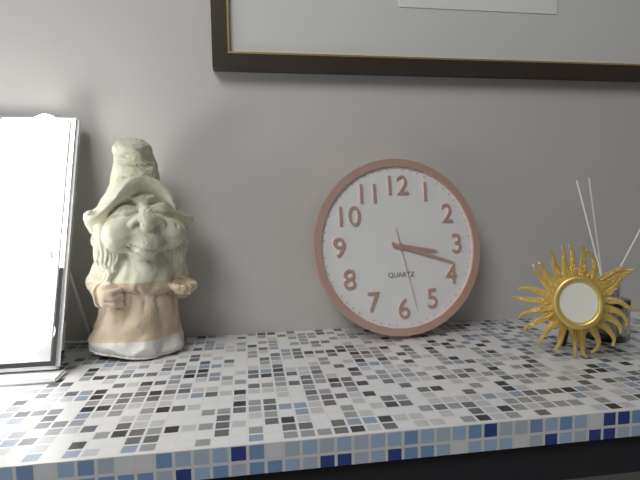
3:18:28
